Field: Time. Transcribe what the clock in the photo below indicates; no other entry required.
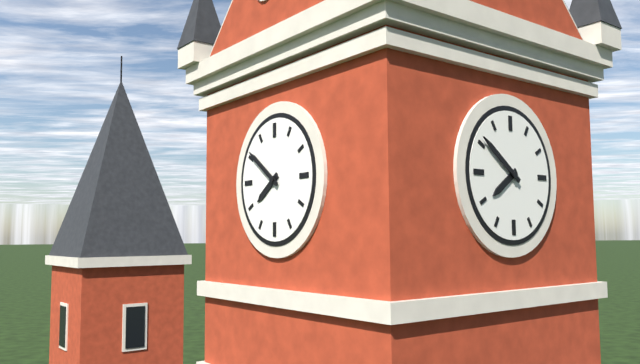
7:51
